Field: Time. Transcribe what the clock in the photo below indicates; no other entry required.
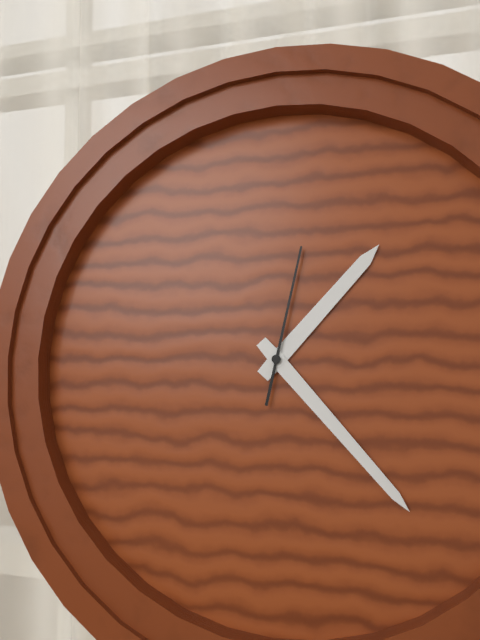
1:23:02
